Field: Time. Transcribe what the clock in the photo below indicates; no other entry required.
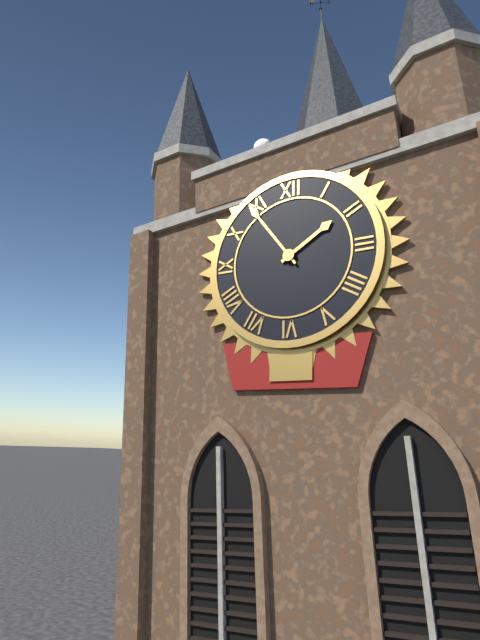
1:54
